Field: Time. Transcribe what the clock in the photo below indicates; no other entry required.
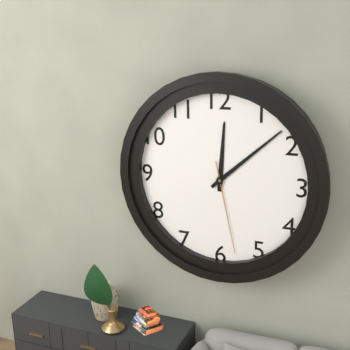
12:08:28
